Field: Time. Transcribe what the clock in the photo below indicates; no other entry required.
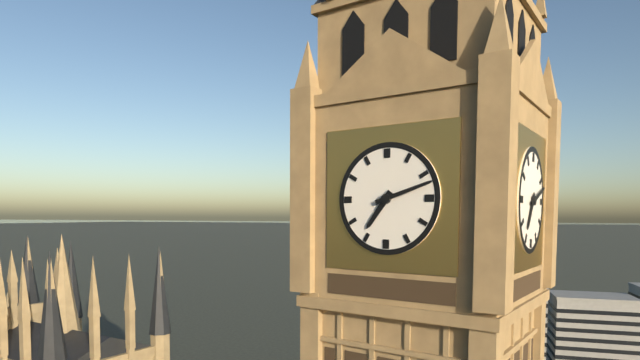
7:12
